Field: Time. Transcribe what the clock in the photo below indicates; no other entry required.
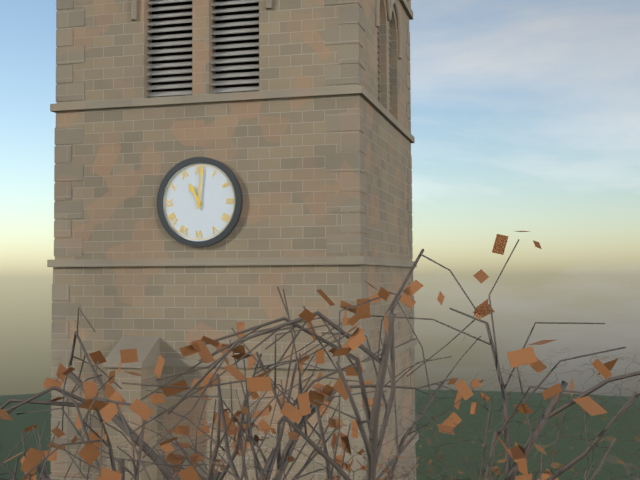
11:01
